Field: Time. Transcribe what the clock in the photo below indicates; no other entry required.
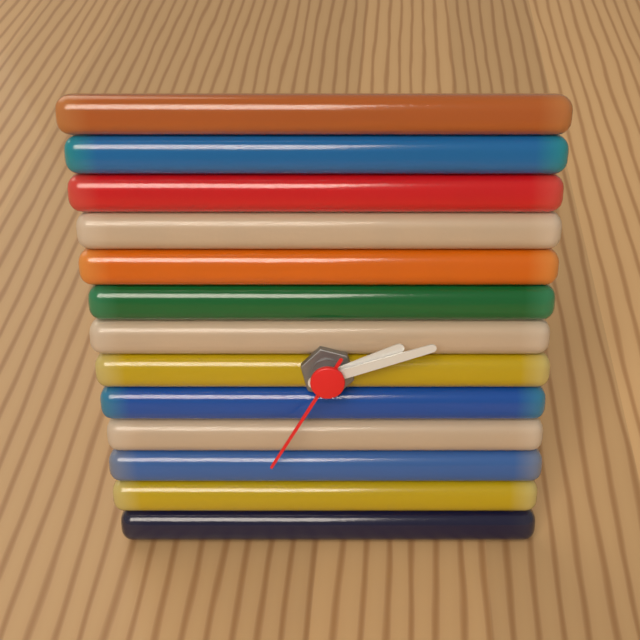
2:12:35
